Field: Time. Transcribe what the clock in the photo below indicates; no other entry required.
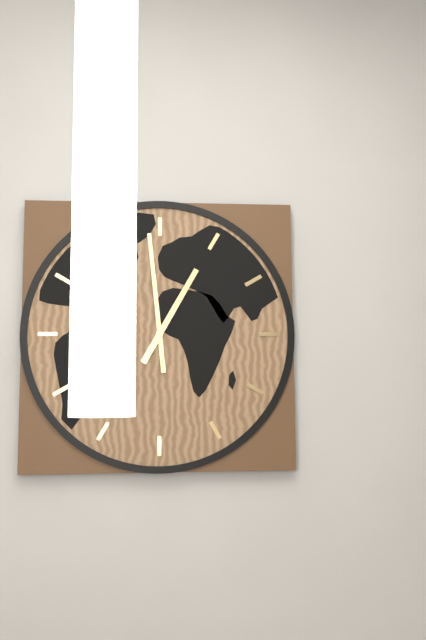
12:59
